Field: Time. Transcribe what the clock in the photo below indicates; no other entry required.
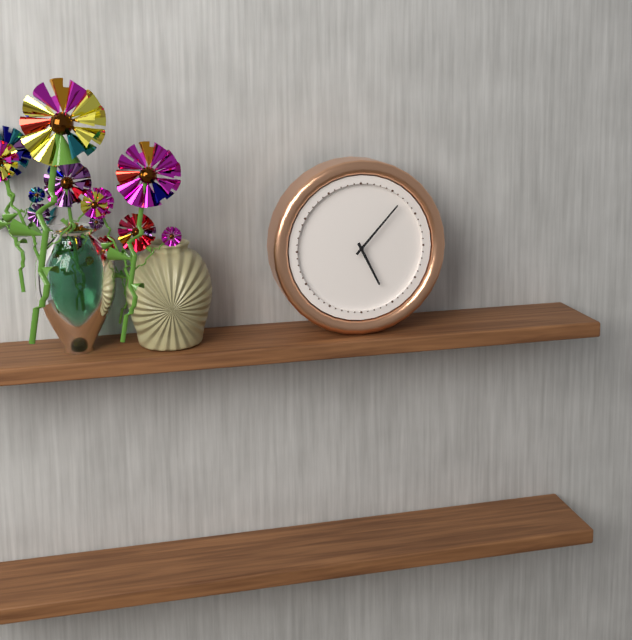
5:07
